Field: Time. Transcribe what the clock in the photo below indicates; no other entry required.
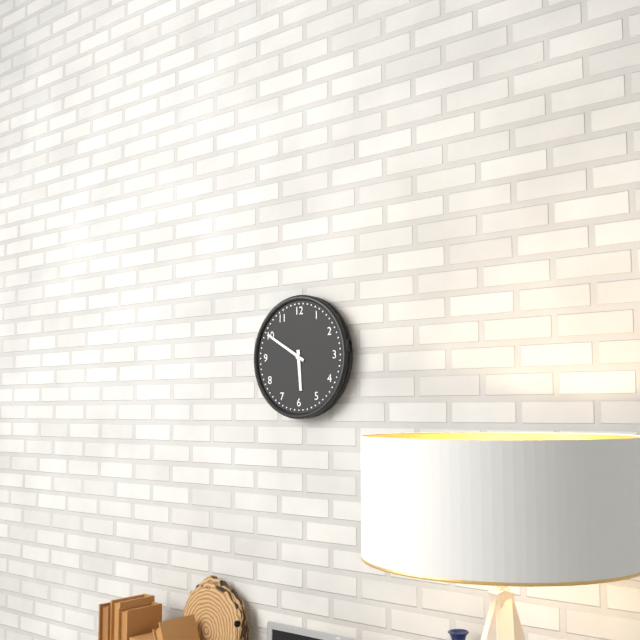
5:50
